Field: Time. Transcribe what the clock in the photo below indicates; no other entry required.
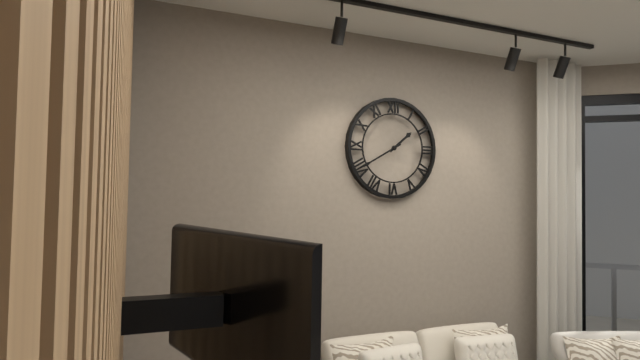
1:40
